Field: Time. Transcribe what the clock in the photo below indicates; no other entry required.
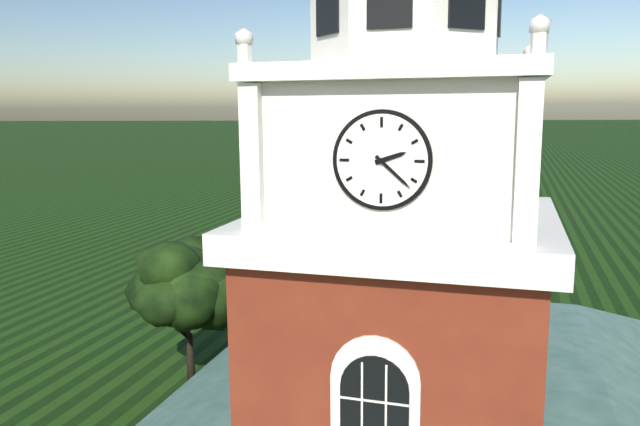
2:22
